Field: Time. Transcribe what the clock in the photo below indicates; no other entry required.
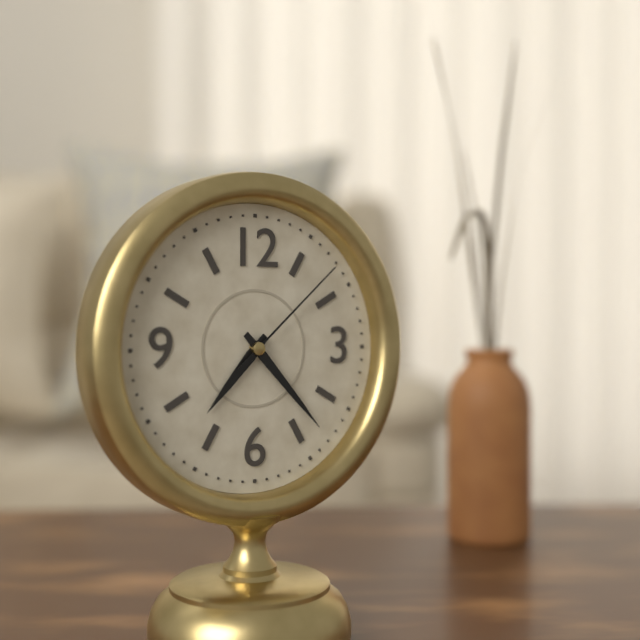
7:23:08
